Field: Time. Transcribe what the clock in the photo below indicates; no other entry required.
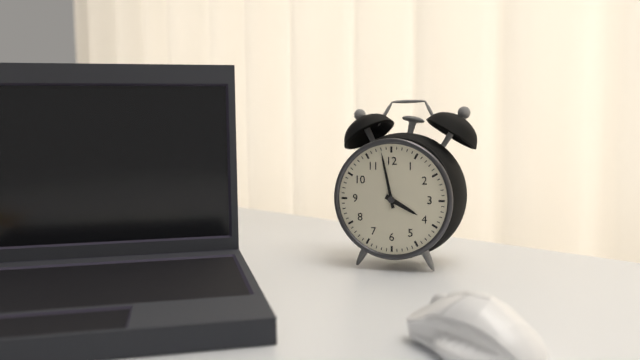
3:58
